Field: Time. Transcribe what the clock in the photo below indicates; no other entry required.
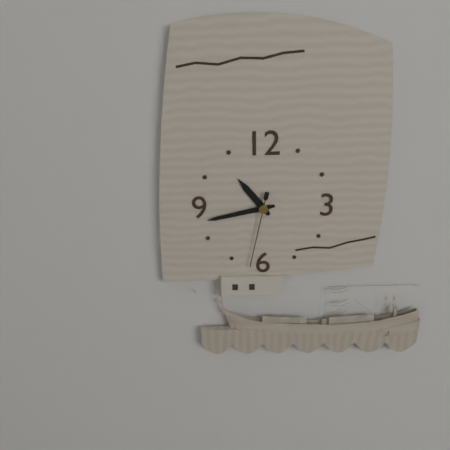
10:43:32
